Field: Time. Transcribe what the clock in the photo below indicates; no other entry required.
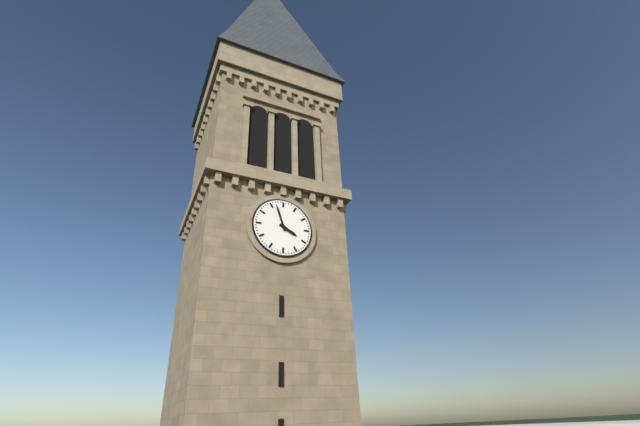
3:57
